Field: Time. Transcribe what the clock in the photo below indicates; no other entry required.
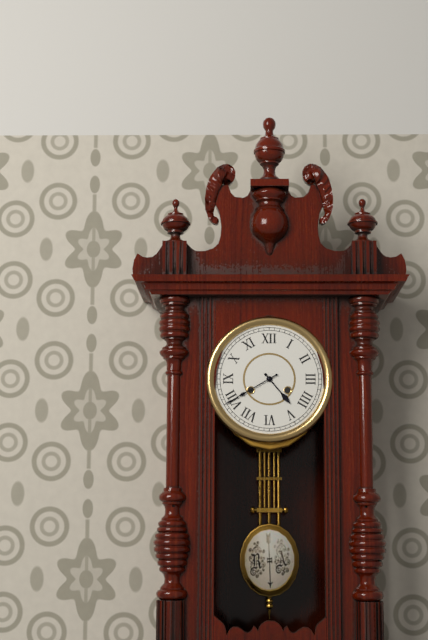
4:40
